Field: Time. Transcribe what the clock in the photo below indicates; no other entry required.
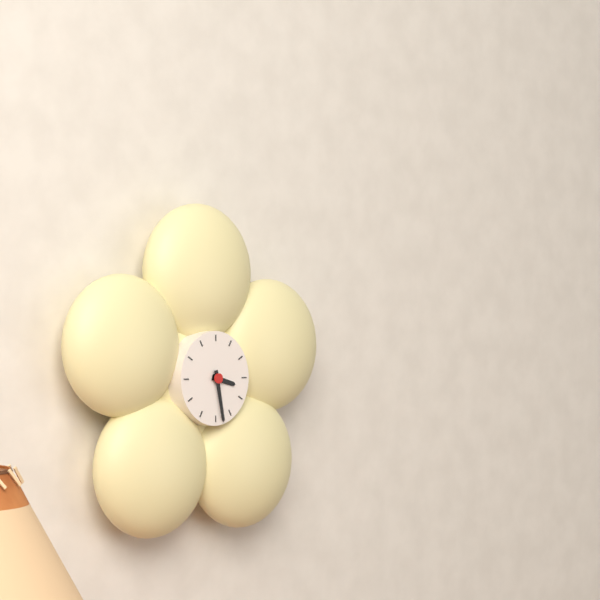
3:28
